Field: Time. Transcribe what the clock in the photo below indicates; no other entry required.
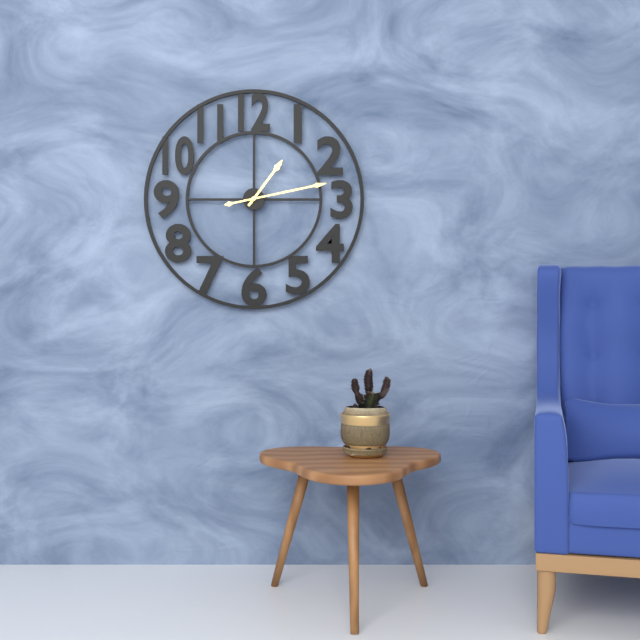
1:13
